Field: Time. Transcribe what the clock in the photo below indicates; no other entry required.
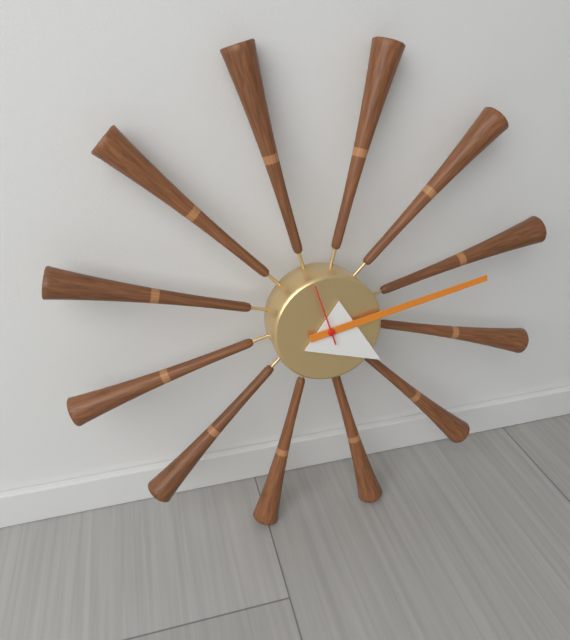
4:13
